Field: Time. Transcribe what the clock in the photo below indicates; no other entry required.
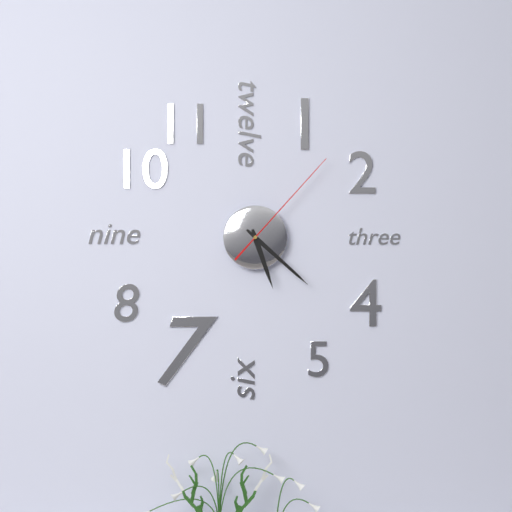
5:22:07
